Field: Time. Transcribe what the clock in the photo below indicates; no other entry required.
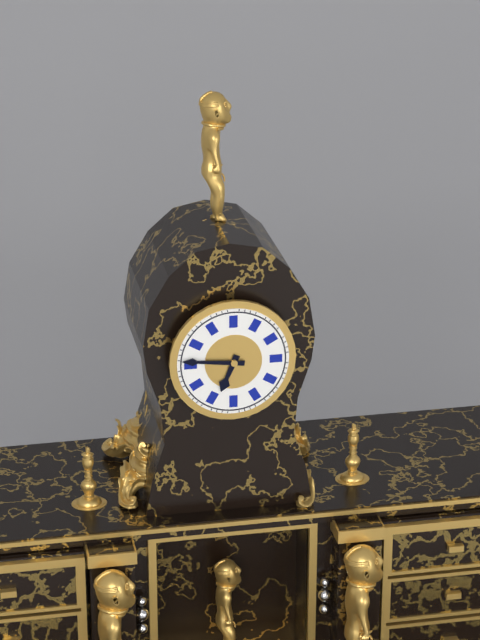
6:46
